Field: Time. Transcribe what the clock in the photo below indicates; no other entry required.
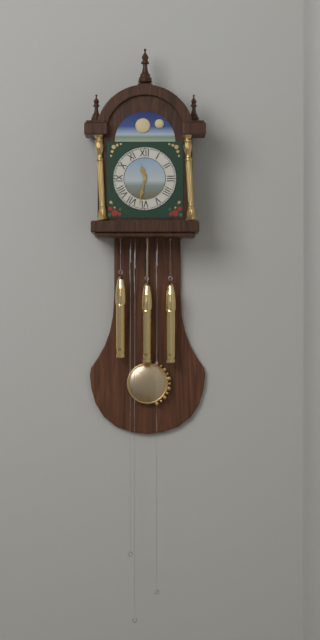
11:32
